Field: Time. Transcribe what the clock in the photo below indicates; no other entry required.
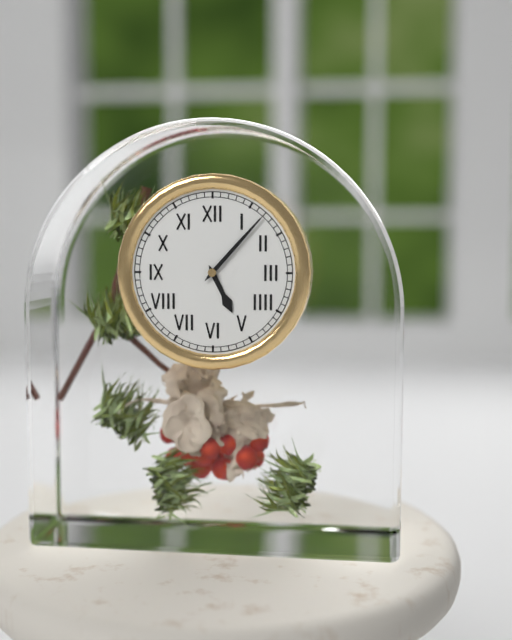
5:07
